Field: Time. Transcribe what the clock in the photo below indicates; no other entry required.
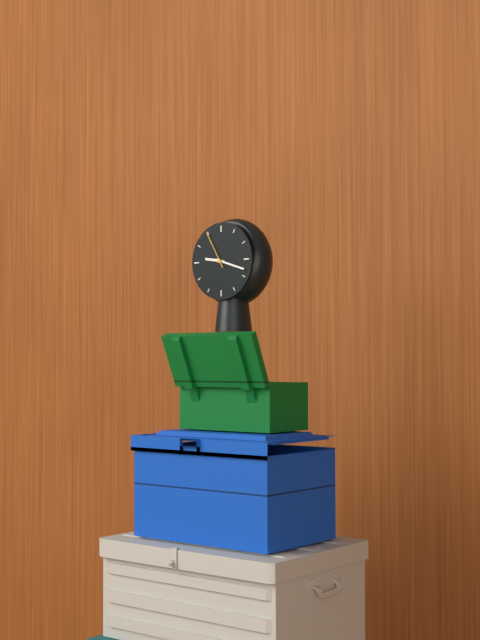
9:18
